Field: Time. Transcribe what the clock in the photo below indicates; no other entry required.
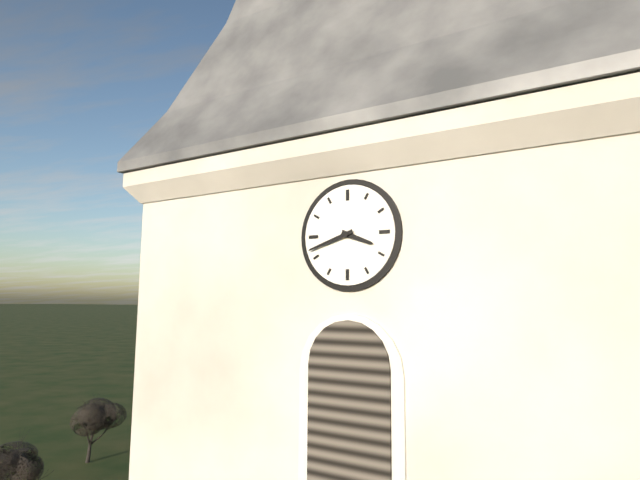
3:42
